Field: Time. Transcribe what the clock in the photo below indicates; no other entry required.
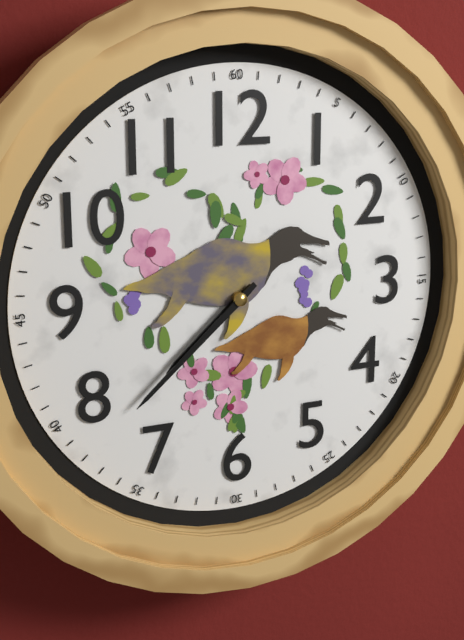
7:38
